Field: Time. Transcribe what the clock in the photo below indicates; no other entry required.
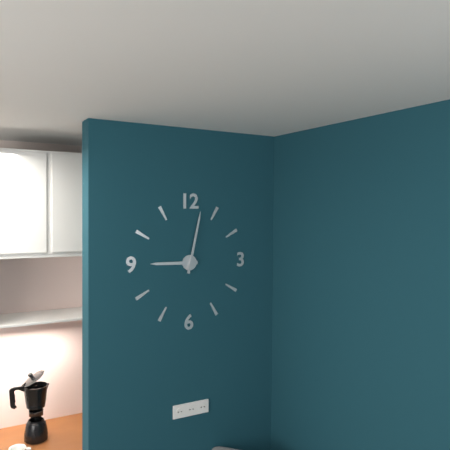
9:02
